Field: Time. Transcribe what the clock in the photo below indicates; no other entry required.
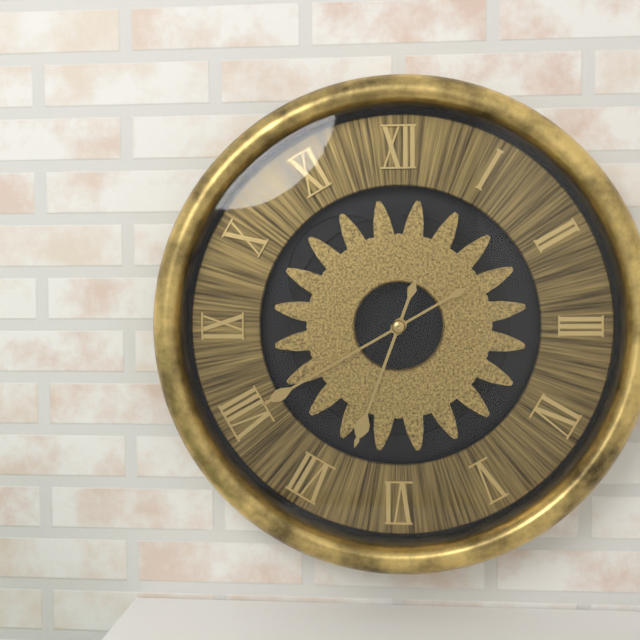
6:40
